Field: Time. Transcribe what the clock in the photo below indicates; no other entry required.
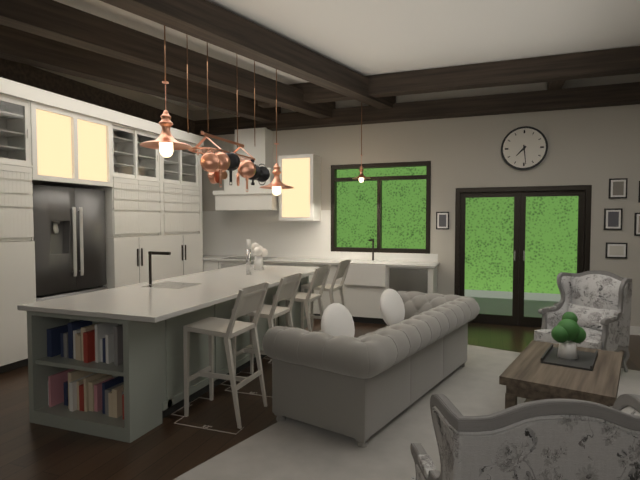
7:29
